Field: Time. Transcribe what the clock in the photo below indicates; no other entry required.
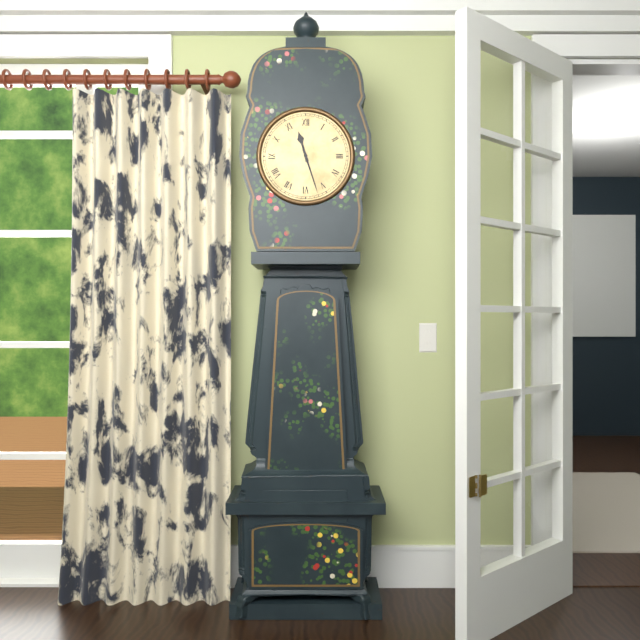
11:27
